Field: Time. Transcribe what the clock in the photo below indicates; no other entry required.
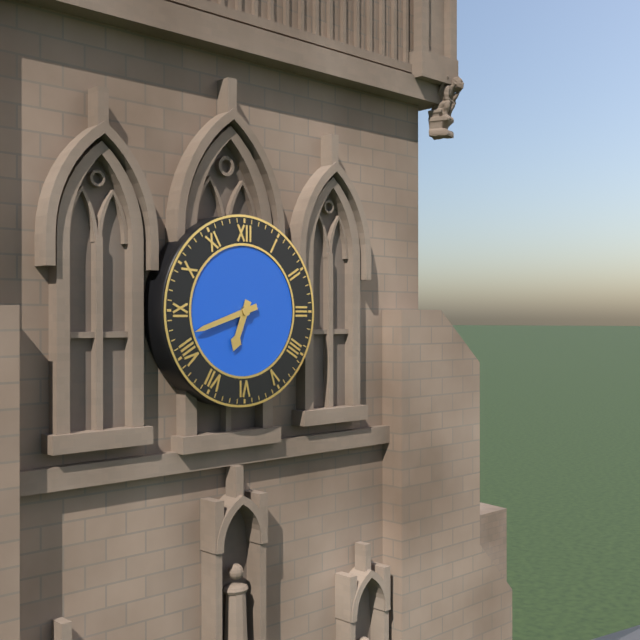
6:42
